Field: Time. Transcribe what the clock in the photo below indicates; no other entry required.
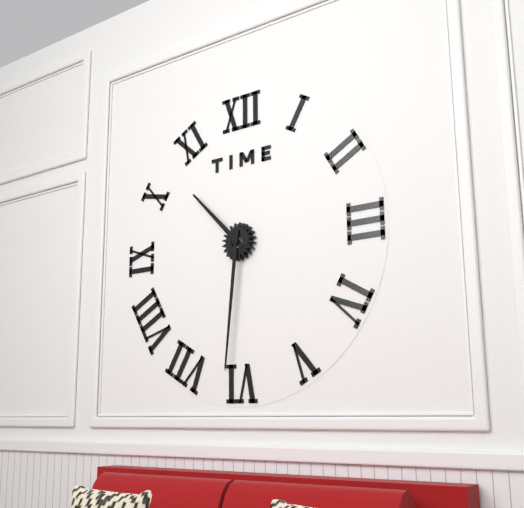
10:31
